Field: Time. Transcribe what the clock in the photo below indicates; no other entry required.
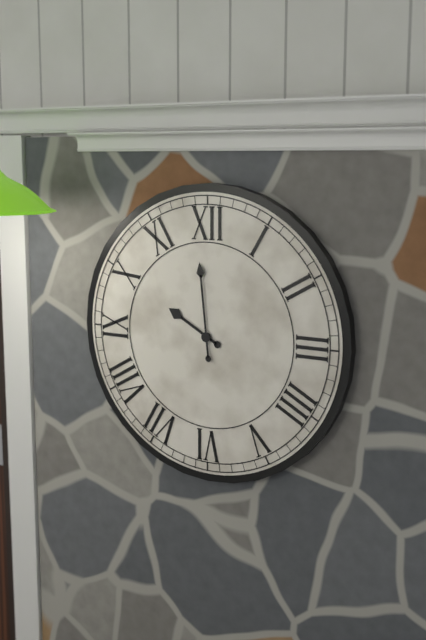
9:59
